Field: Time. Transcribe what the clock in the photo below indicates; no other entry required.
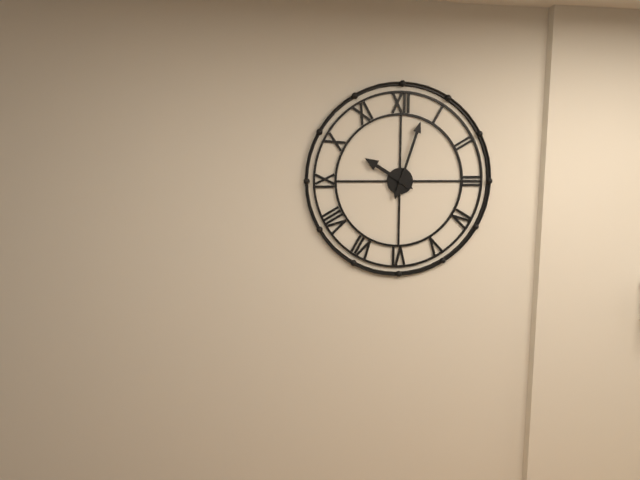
10:03
